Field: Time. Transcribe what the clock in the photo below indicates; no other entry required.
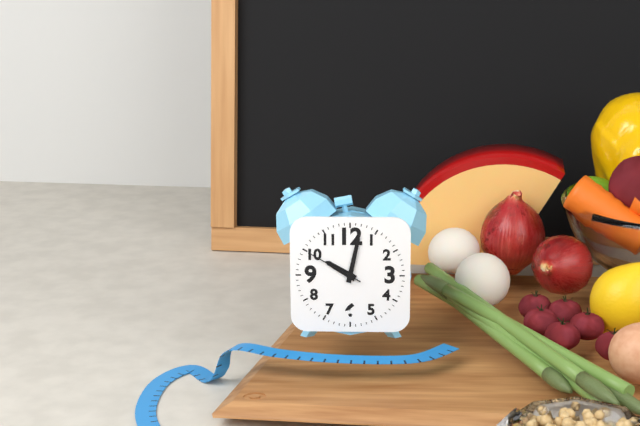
10:02:50
